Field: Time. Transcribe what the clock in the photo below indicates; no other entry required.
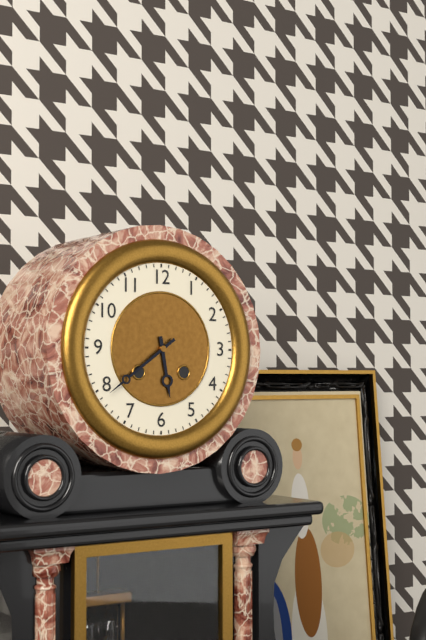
5:39
